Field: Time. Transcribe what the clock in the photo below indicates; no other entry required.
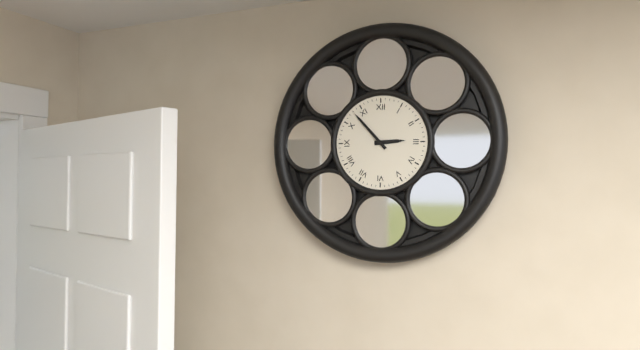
2:53
